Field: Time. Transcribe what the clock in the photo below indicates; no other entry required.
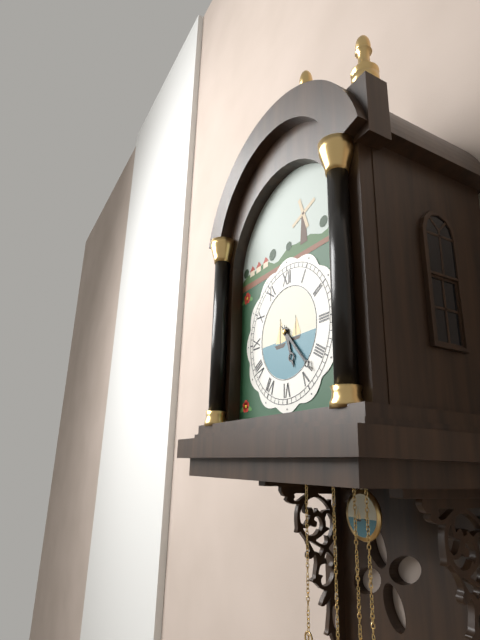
5:23
